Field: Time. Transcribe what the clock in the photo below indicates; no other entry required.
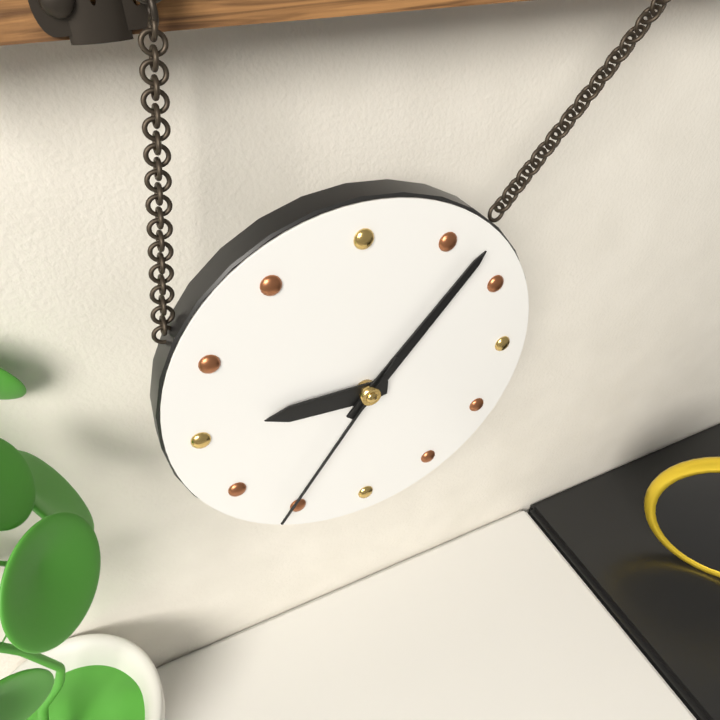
9:07:36
